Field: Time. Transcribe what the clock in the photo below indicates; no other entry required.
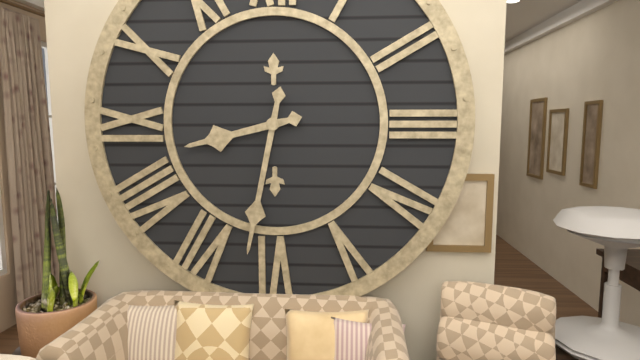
8:32
